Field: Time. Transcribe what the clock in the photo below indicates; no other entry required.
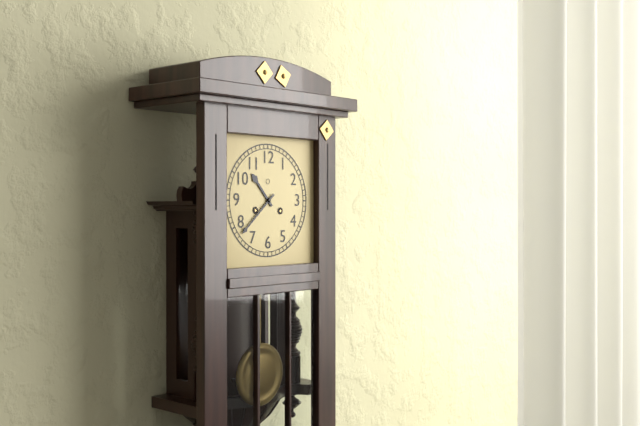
10:38
